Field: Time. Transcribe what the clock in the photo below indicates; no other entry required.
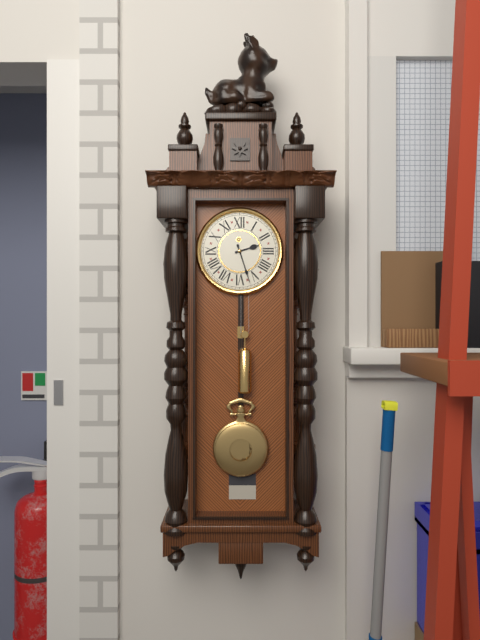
2:27
